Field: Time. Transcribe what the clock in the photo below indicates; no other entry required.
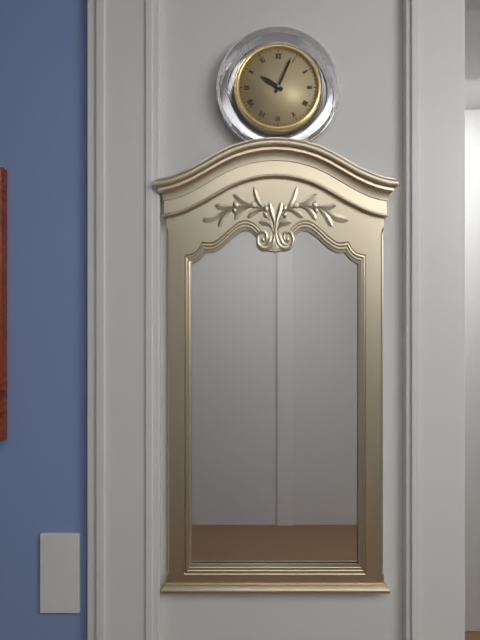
10:04
